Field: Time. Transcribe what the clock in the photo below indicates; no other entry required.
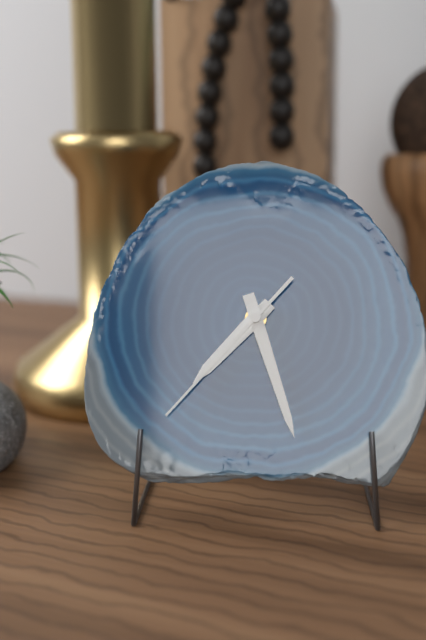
7:27:37
